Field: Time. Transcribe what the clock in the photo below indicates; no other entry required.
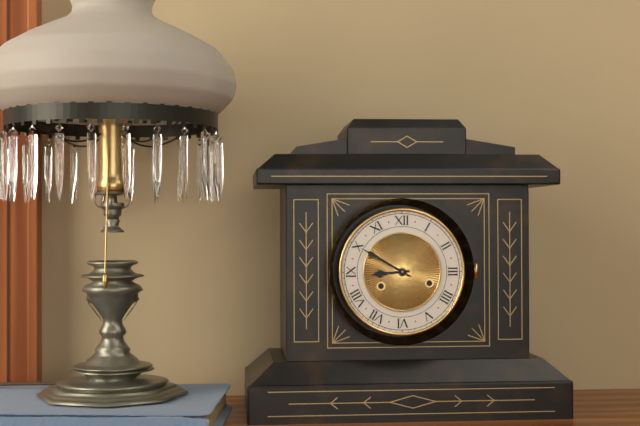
8:50
